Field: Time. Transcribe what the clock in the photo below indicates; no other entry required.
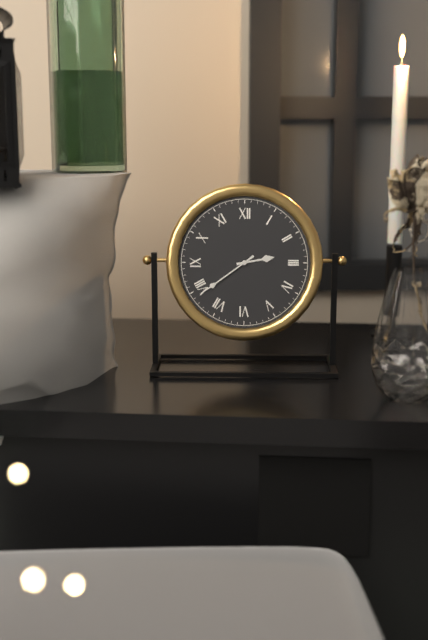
2:39
